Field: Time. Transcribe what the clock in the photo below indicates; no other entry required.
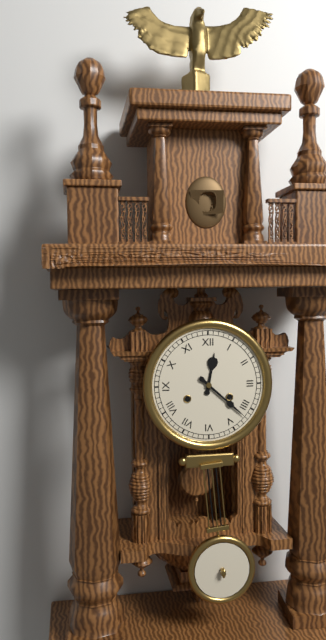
12:22
